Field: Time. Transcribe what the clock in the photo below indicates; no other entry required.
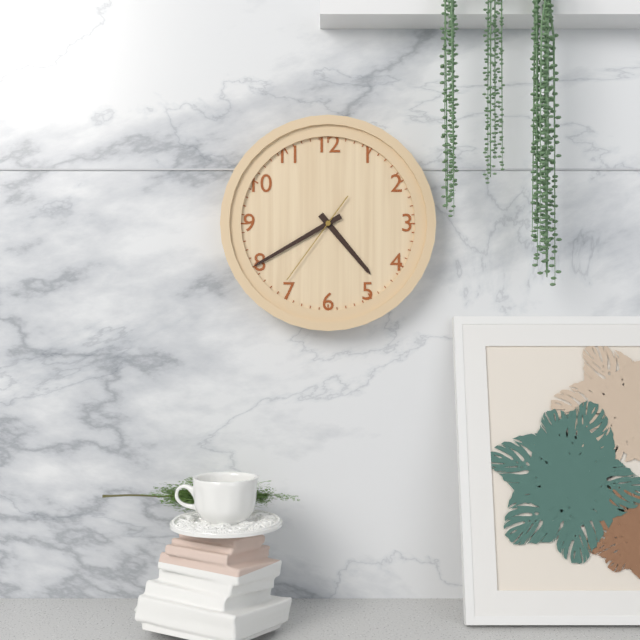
4:40:36
